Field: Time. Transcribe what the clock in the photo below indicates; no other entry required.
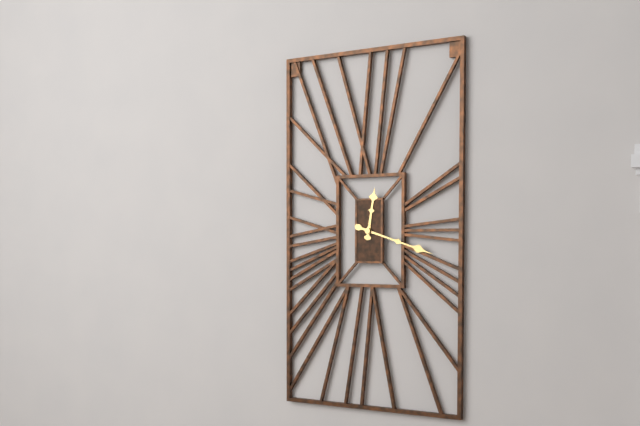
12:18
